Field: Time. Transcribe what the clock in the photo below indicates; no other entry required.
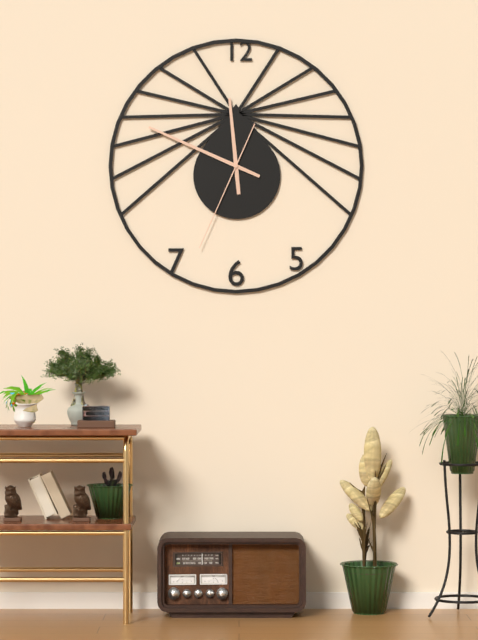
11:49:34
